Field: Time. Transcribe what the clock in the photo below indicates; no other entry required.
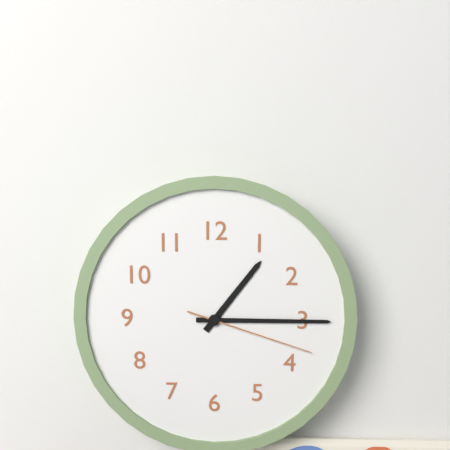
1:15:18
